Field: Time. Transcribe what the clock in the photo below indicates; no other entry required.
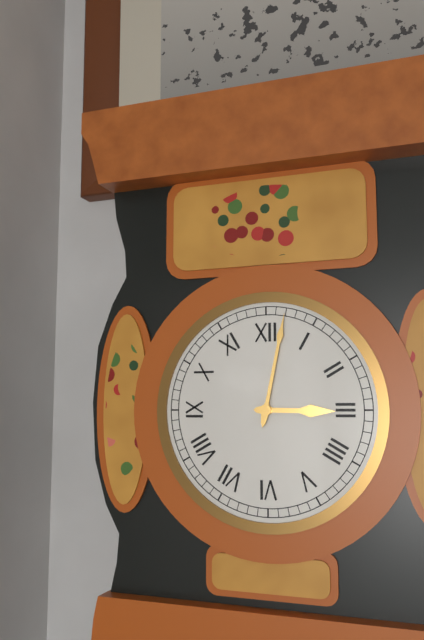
3:02
